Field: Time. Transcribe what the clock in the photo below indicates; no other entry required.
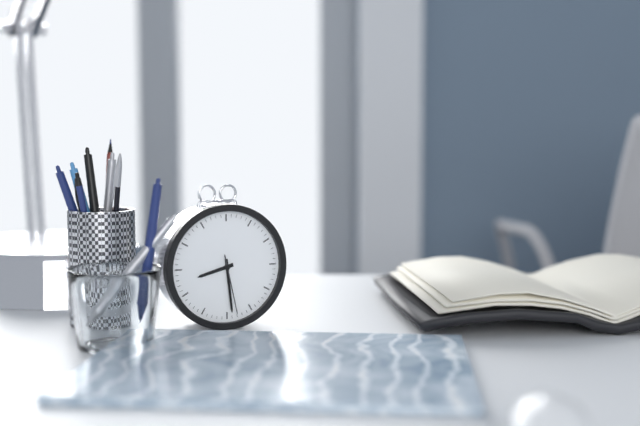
8:29:28
